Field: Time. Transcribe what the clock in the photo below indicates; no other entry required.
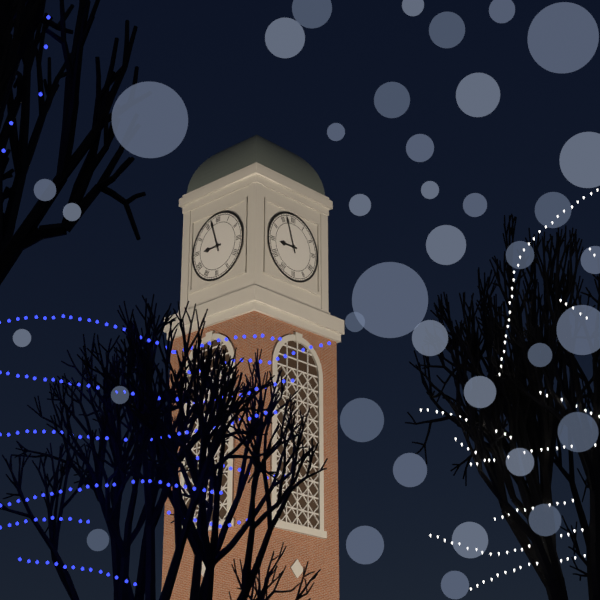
8:57
